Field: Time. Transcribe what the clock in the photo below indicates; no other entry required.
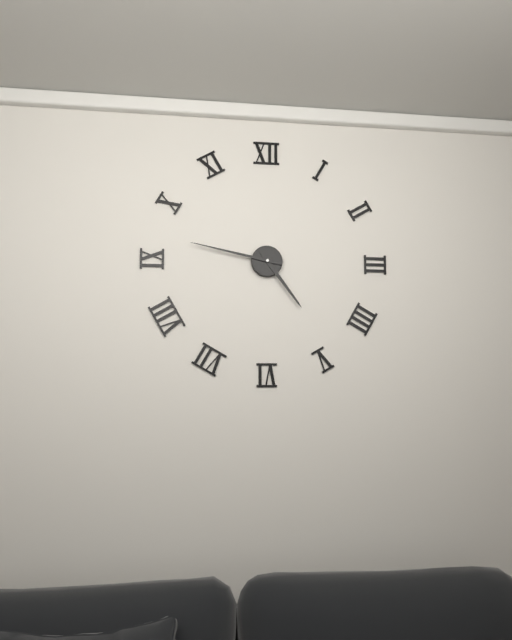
4:47
